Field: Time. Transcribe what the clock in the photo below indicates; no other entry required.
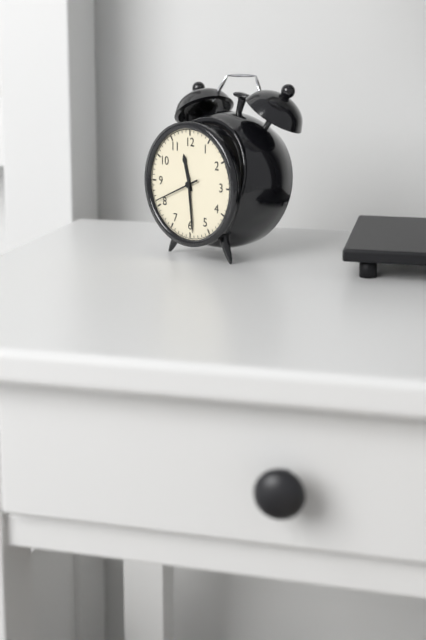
11:29
